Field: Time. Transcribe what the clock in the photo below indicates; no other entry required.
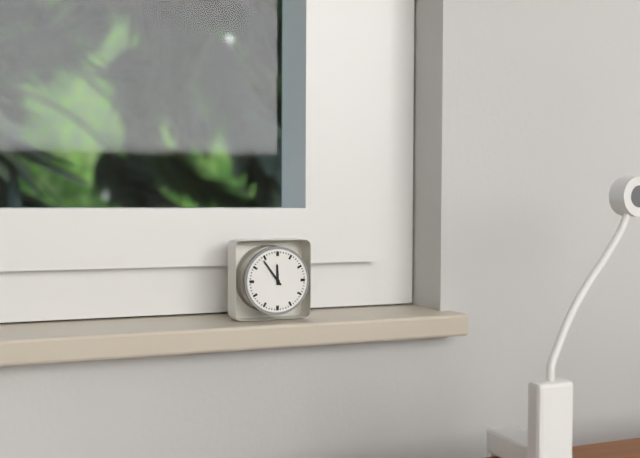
11:54
